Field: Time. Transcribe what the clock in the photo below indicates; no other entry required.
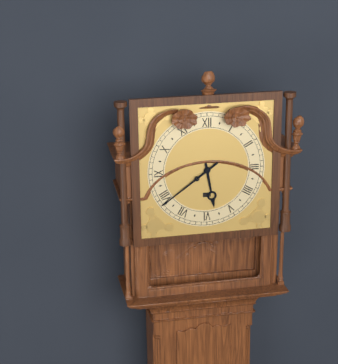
5:39
